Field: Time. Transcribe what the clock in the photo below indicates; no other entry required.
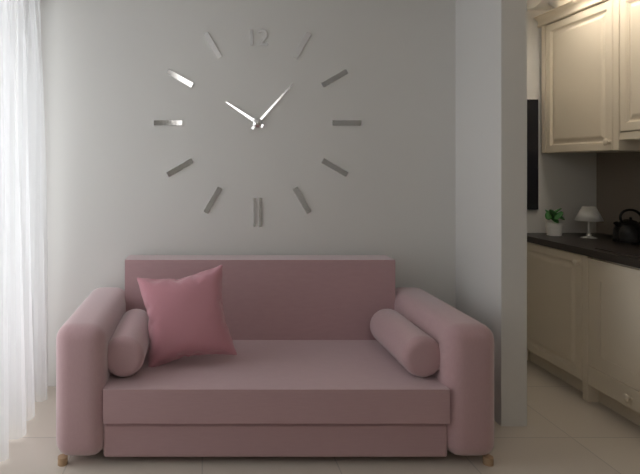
10:07
